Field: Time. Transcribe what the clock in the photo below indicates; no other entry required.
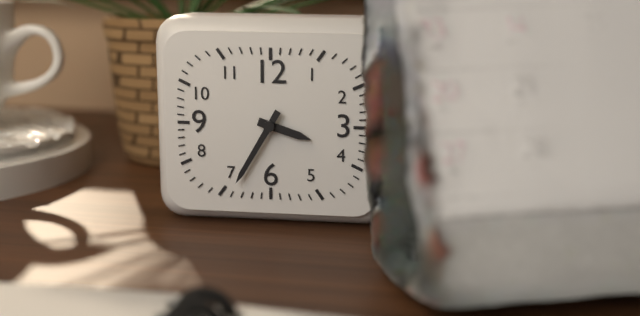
3:35
